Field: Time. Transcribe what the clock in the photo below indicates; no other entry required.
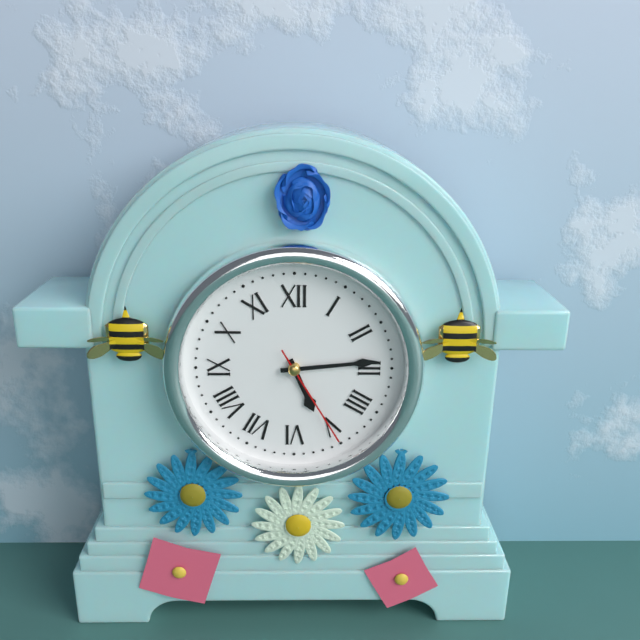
5:14:25
